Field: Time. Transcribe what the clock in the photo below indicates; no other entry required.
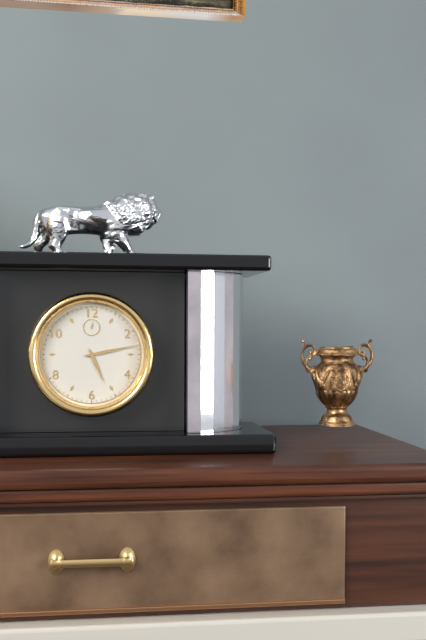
5:13
